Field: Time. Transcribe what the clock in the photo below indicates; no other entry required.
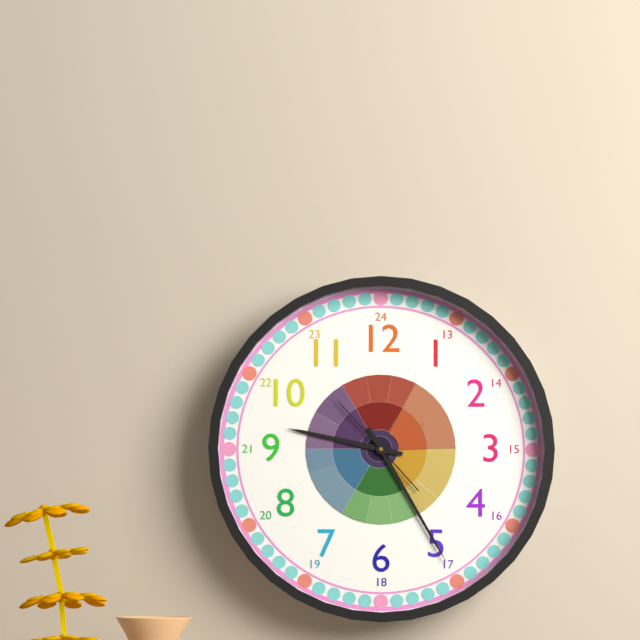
9:25:53
